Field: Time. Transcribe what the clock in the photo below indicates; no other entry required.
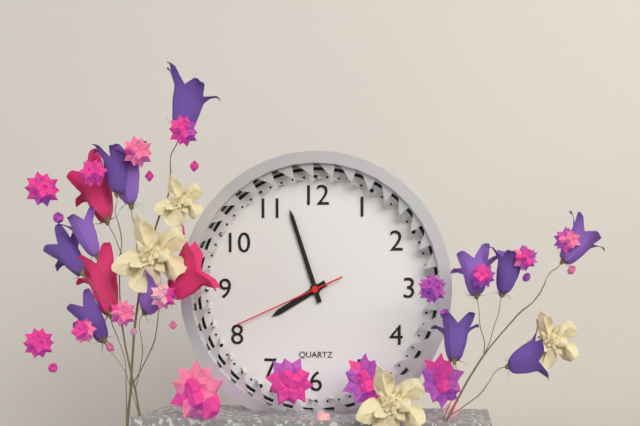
7:57:41
